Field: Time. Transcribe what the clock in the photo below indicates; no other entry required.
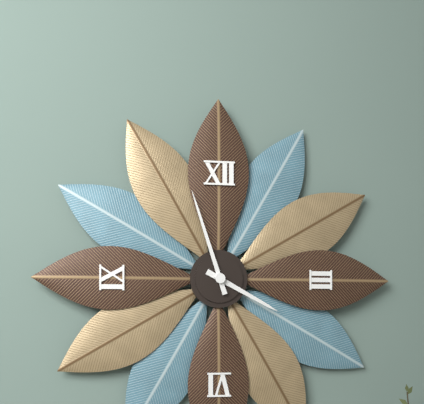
3:57
